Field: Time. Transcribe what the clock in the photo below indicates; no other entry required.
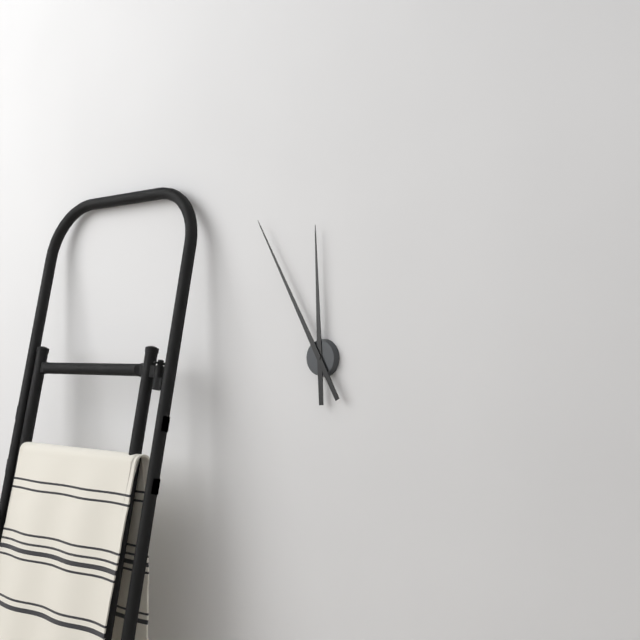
11:55
